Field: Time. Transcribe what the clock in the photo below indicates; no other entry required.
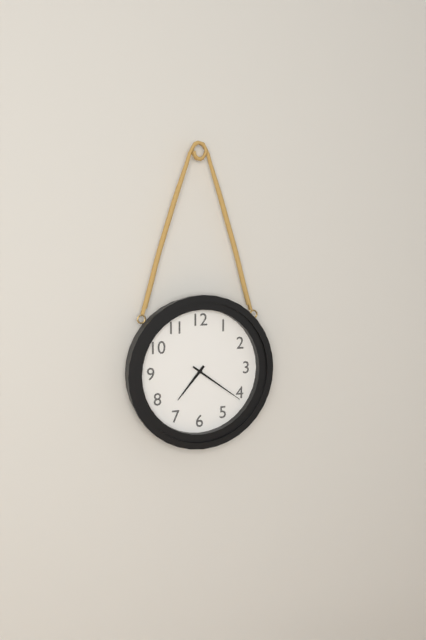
7:21
